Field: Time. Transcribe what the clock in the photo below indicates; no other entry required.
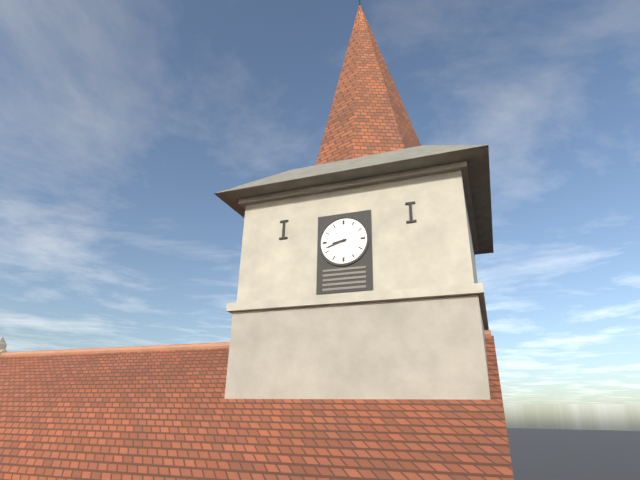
8:42
